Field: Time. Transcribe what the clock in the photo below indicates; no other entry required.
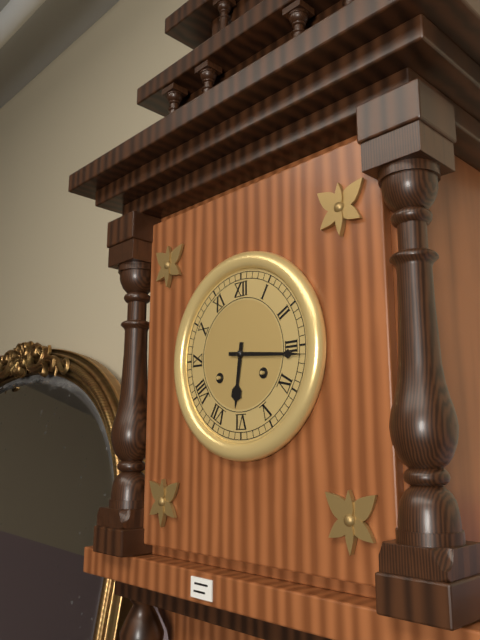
6:16
